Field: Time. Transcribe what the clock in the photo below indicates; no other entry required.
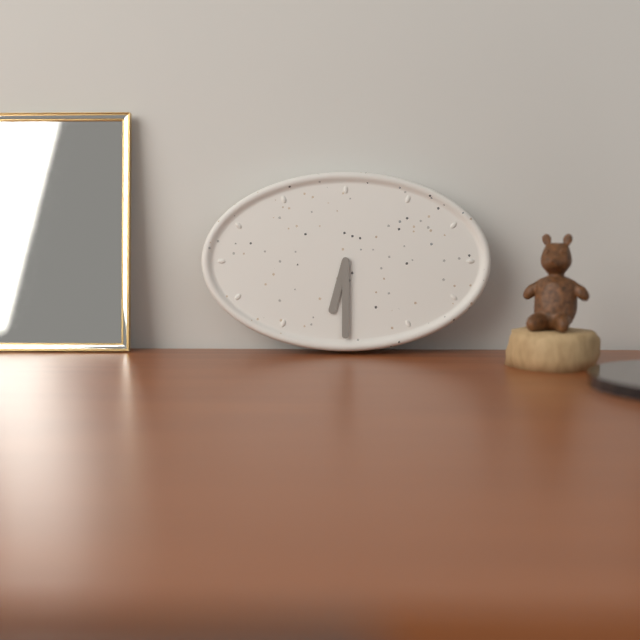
6:30
